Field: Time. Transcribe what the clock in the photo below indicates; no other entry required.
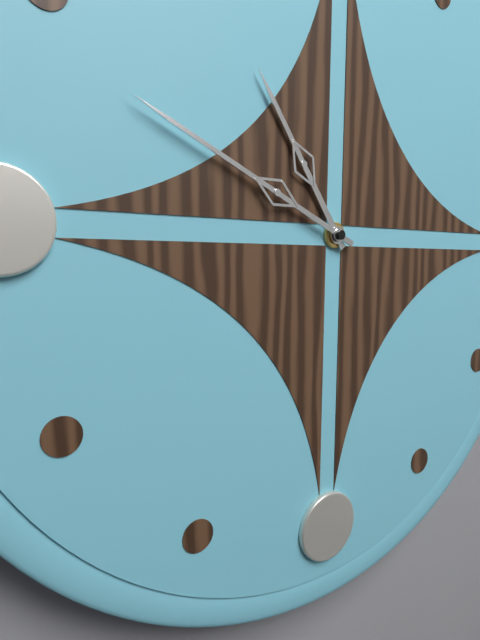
10:49
